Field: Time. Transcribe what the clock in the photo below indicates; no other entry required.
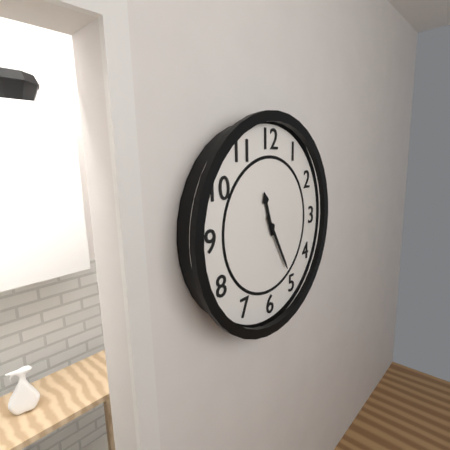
11:25
